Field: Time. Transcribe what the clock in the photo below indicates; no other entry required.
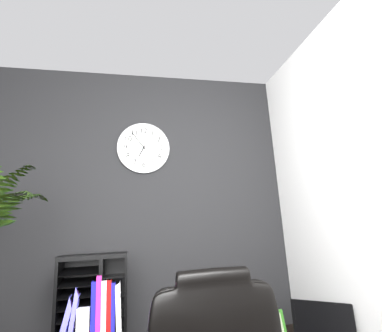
6:54
